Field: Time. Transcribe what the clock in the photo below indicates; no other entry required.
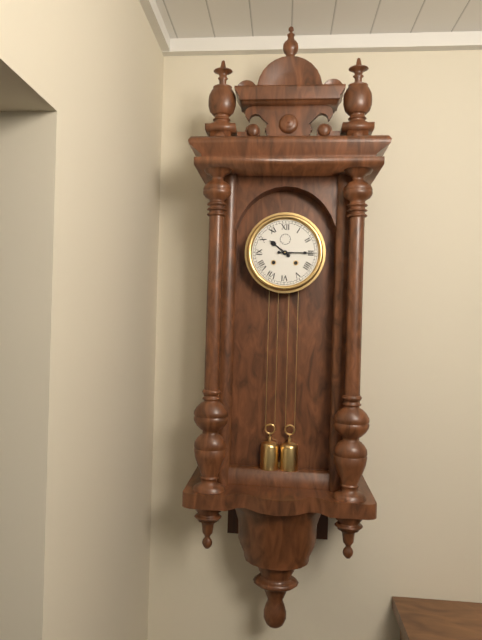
10:15
